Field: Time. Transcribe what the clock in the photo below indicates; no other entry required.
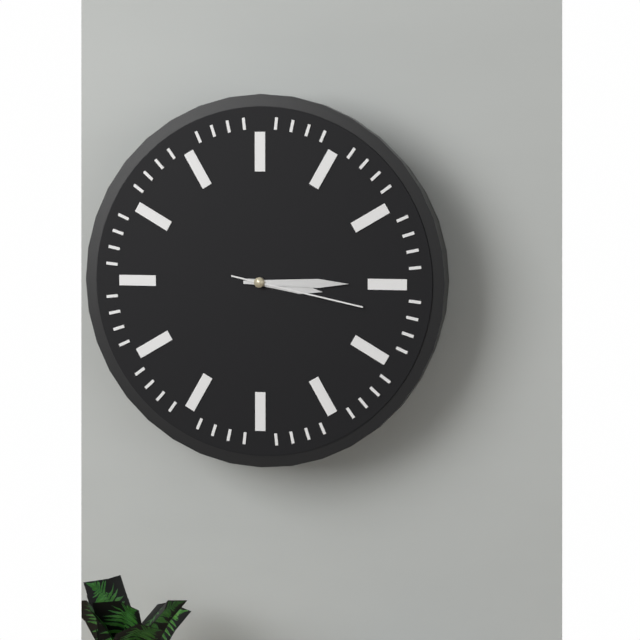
3:15:17
